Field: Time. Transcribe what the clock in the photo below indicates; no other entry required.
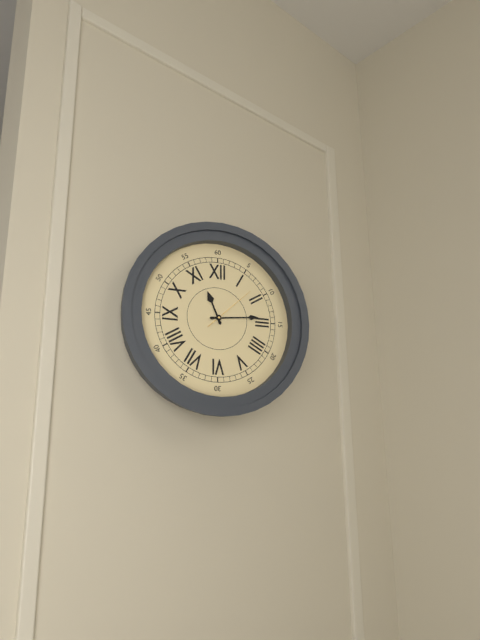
11:14:08
